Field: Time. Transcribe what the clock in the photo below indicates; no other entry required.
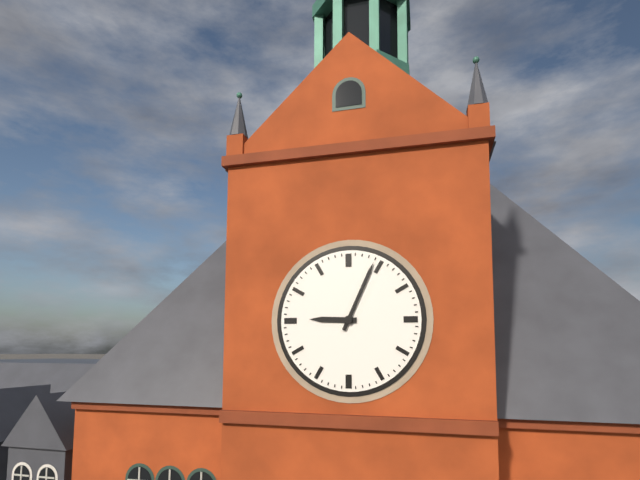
9:04
